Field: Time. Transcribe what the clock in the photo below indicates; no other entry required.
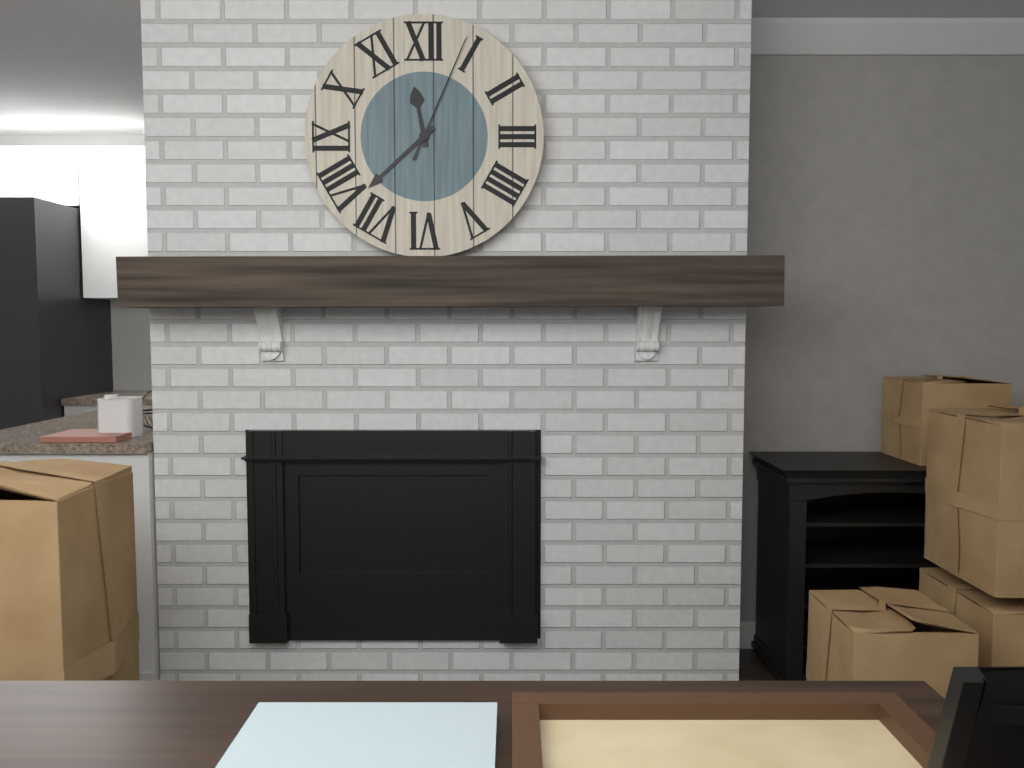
11:38:04
